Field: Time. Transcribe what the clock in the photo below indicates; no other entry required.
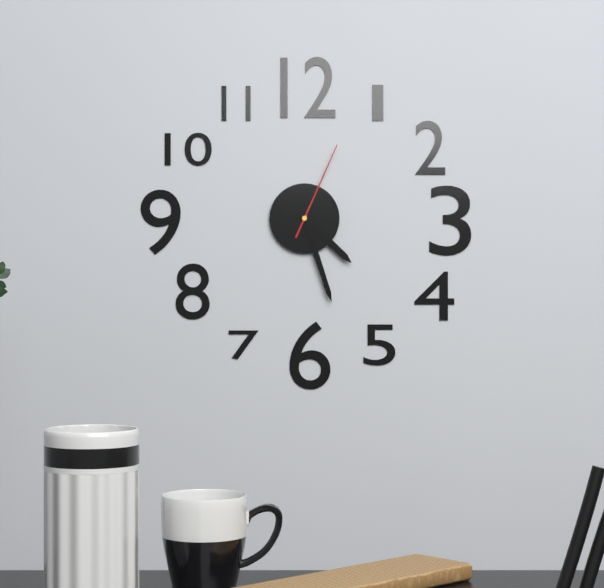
4:27:04
